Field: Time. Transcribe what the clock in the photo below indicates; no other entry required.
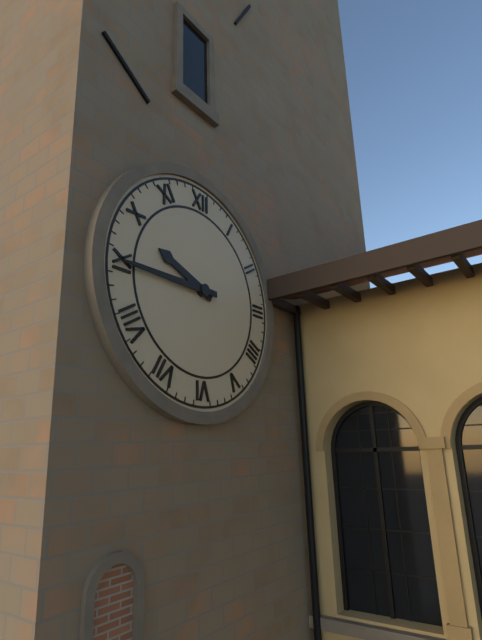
9:45
